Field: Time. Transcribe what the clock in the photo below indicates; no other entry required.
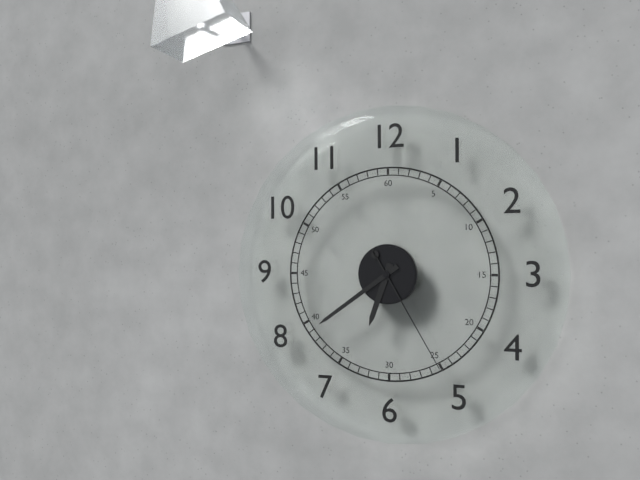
6:39:25
